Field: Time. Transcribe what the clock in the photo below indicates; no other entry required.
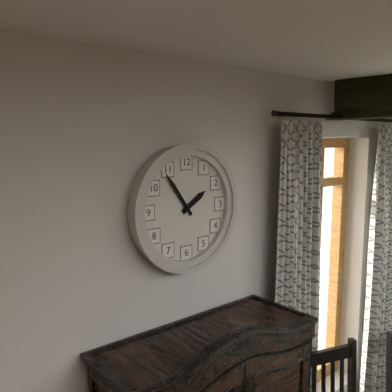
1:54
